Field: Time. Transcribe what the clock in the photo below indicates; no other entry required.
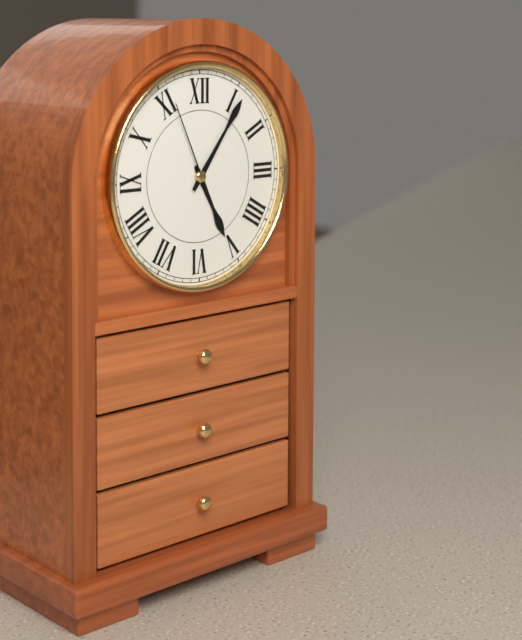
5:06:56
